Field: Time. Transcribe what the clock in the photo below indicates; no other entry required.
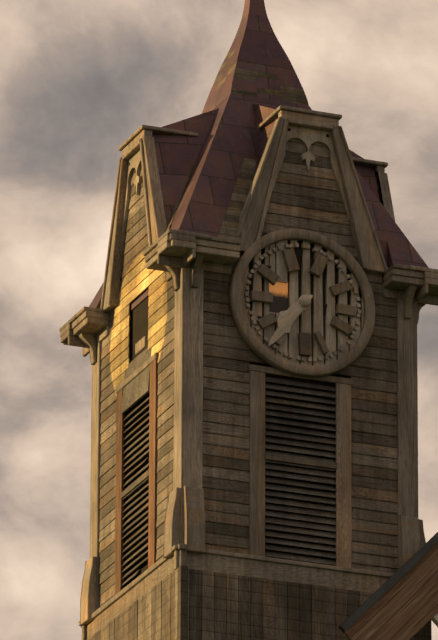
7:36
